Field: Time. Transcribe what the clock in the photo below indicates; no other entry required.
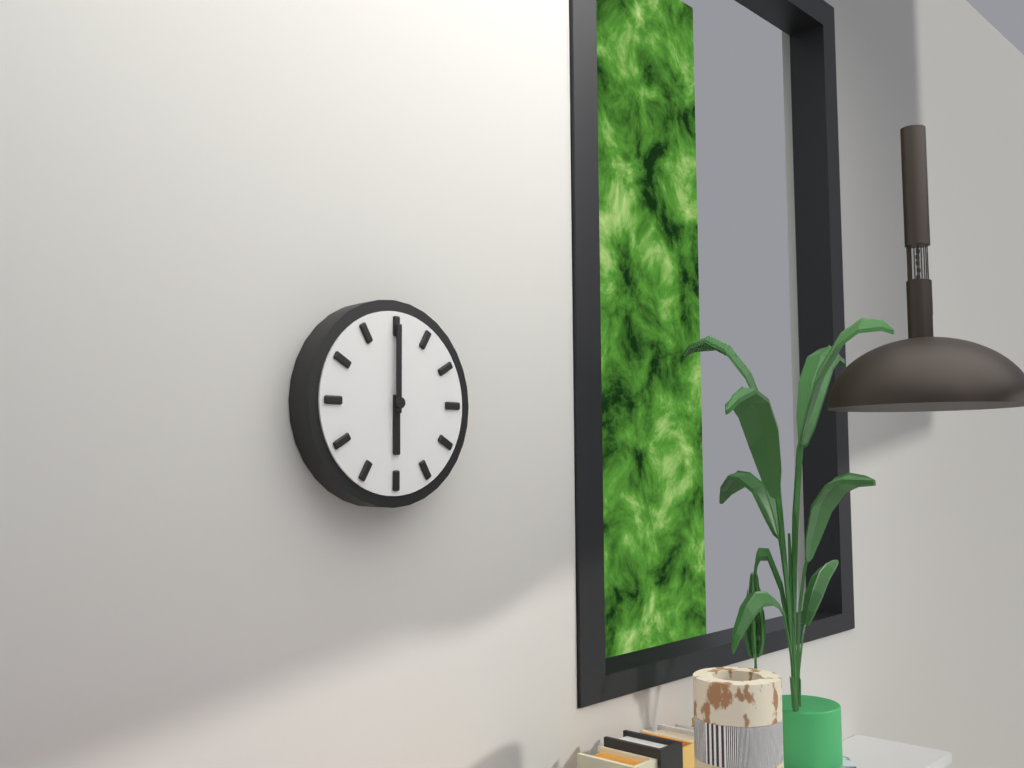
6:00
